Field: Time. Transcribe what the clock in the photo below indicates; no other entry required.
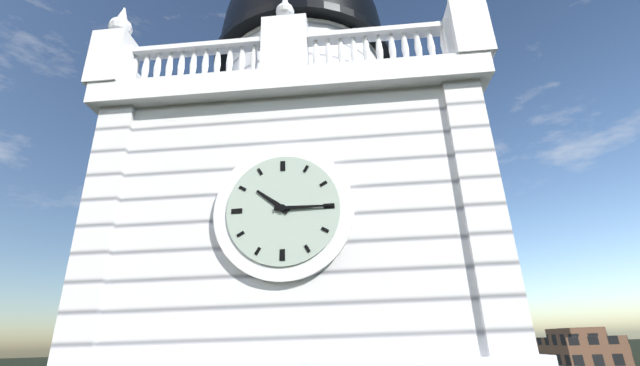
10:15
